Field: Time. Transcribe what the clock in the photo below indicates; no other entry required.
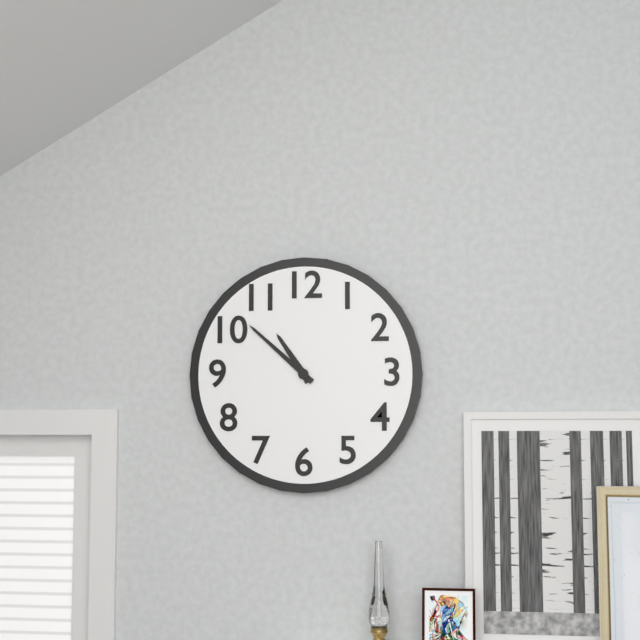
10:52
